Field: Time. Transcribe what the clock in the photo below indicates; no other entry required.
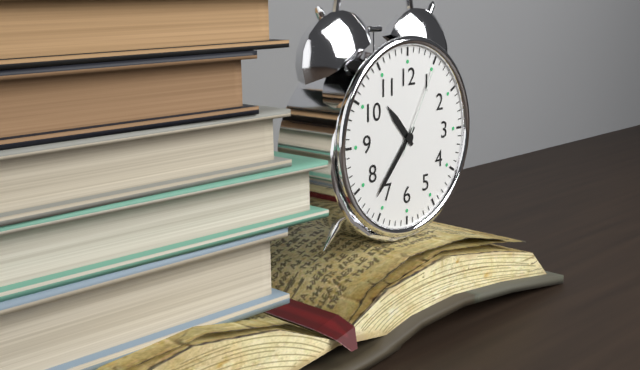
10:37:05
